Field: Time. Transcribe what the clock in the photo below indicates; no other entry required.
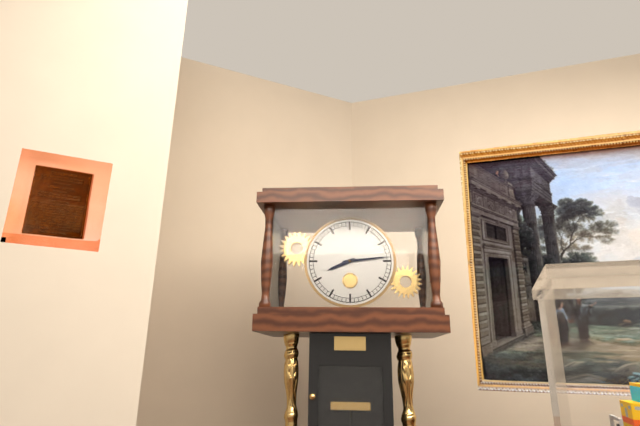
8:14
